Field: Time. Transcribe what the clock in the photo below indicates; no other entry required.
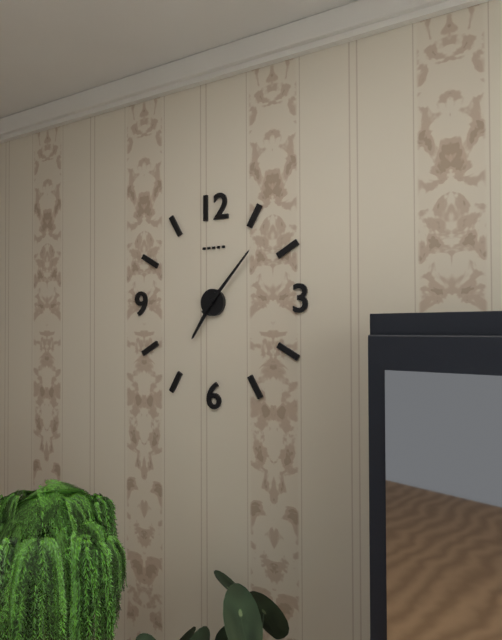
7:07
